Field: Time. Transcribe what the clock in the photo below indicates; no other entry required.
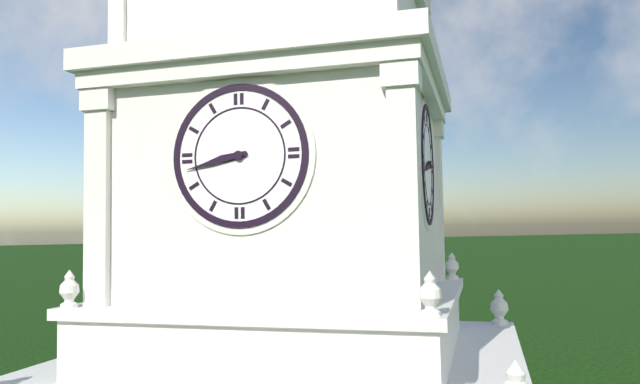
8:43
